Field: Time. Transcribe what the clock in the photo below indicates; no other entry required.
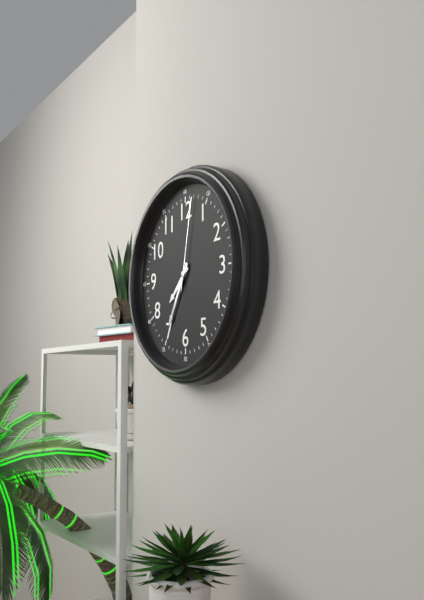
7:35:02
